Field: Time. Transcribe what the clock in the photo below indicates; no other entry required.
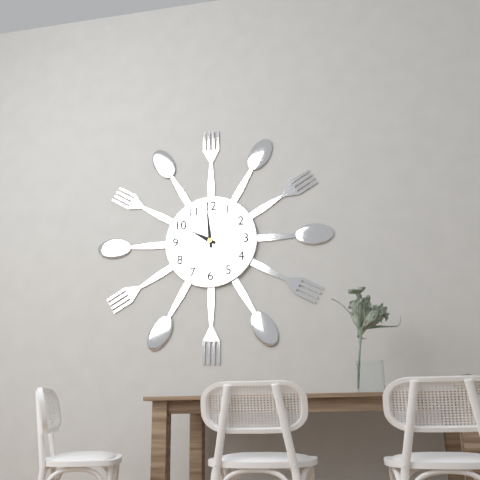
9:59
